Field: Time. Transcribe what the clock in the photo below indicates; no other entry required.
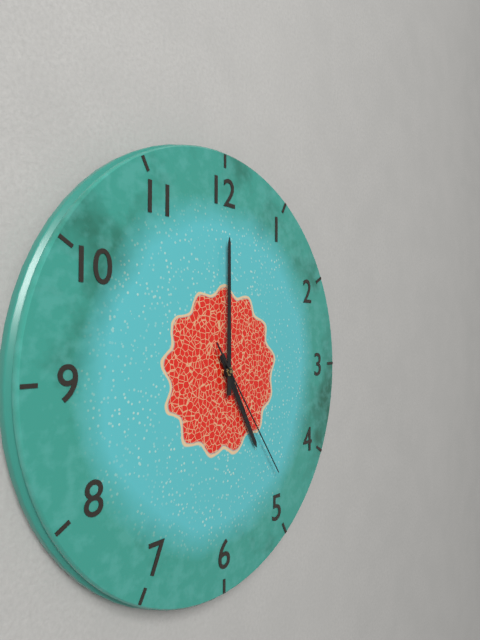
5:00:24
